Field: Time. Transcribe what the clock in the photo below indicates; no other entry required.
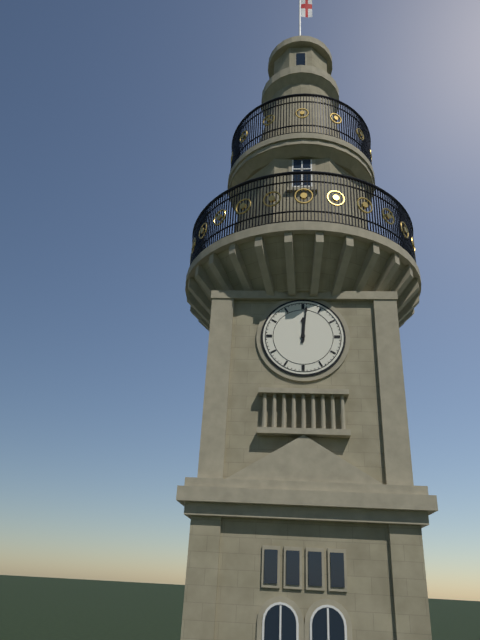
12:01
